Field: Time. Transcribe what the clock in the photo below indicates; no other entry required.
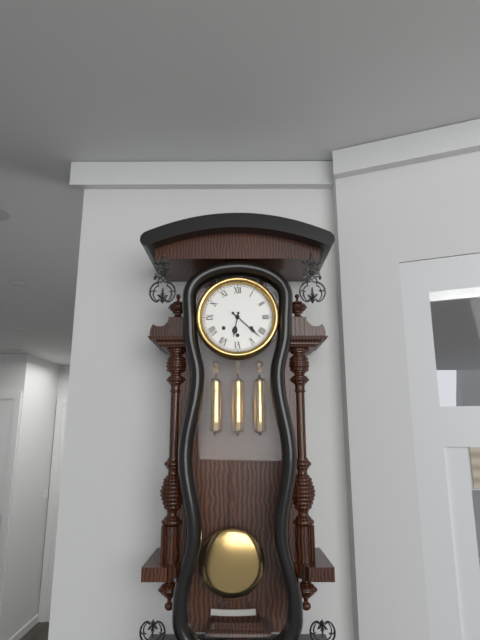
6:22
